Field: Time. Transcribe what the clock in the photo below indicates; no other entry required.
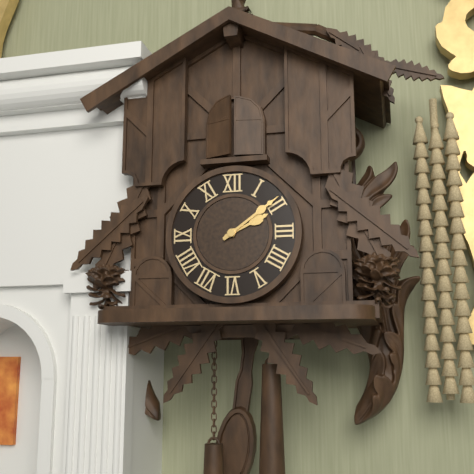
2:09
